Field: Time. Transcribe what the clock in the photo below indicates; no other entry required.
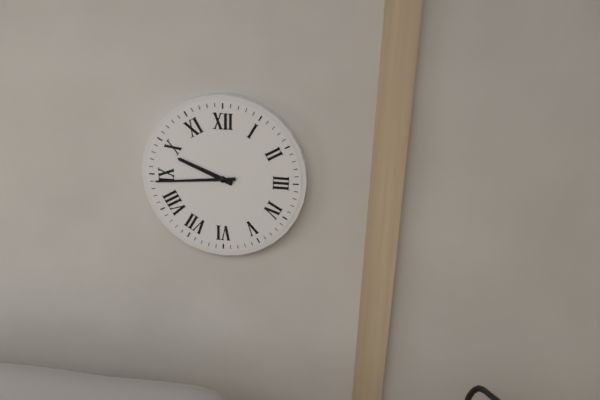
9:44
